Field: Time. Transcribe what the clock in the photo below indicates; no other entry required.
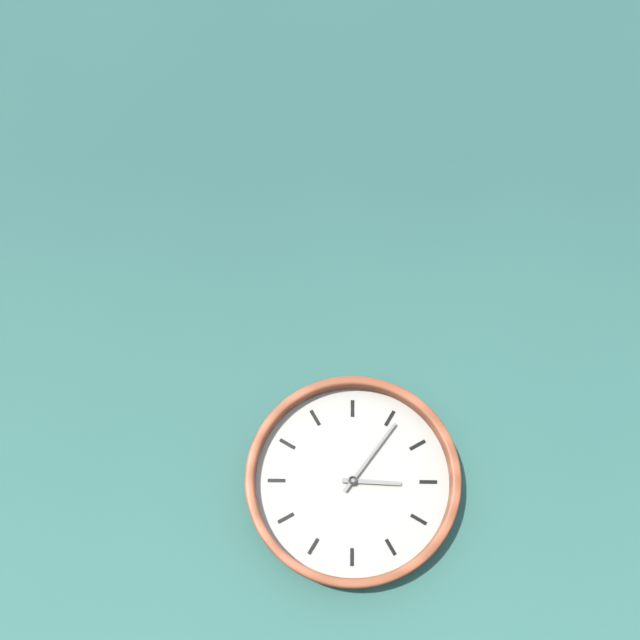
3:06
